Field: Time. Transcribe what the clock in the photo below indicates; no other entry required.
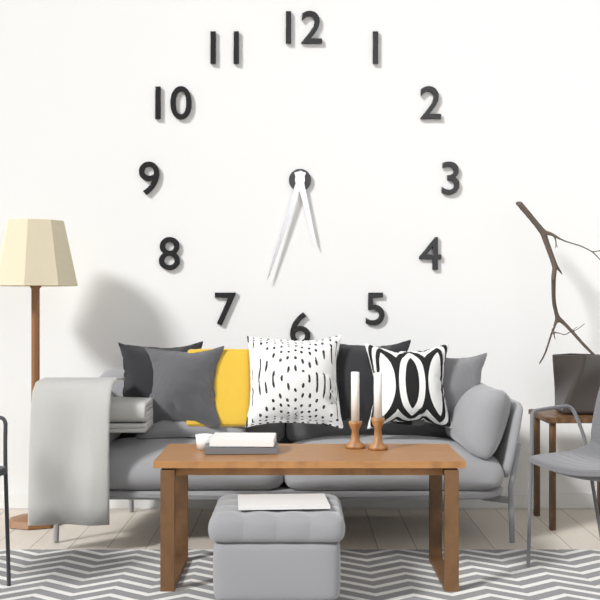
5:33
